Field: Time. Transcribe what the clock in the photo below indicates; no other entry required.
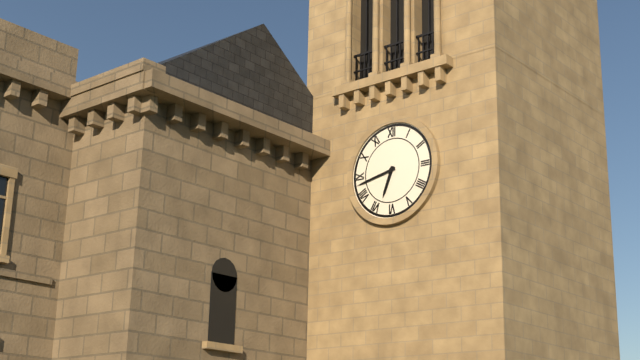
6:43
